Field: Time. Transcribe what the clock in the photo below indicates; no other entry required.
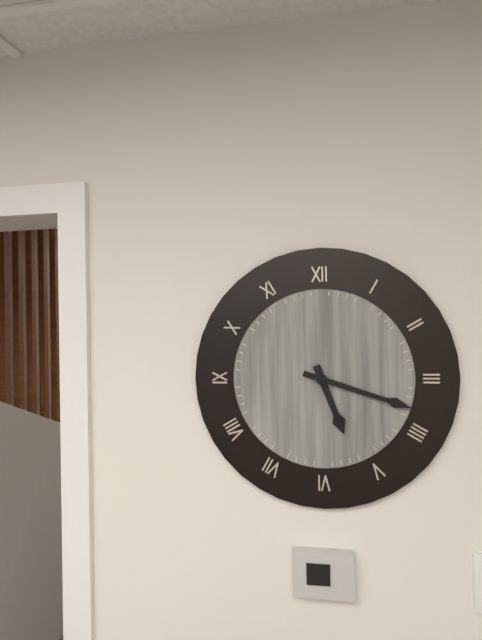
5:18
